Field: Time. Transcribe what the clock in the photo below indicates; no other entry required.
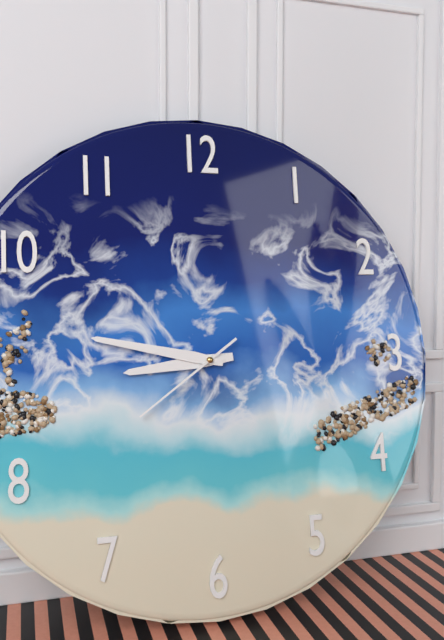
8:47:39
